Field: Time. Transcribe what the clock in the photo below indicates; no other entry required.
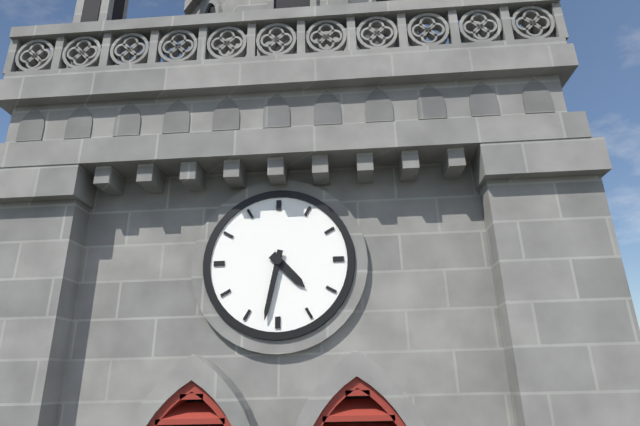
4:32
